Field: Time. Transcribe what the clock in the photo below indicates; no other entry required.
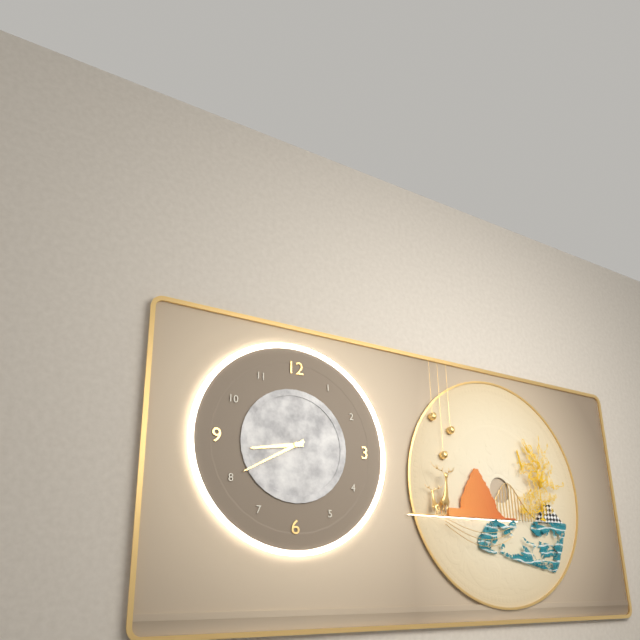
8:40
